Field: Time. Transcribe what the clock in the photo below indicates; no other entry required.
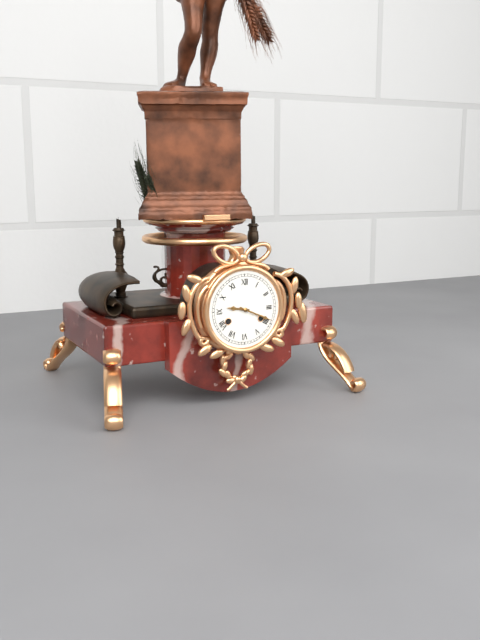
9:19
